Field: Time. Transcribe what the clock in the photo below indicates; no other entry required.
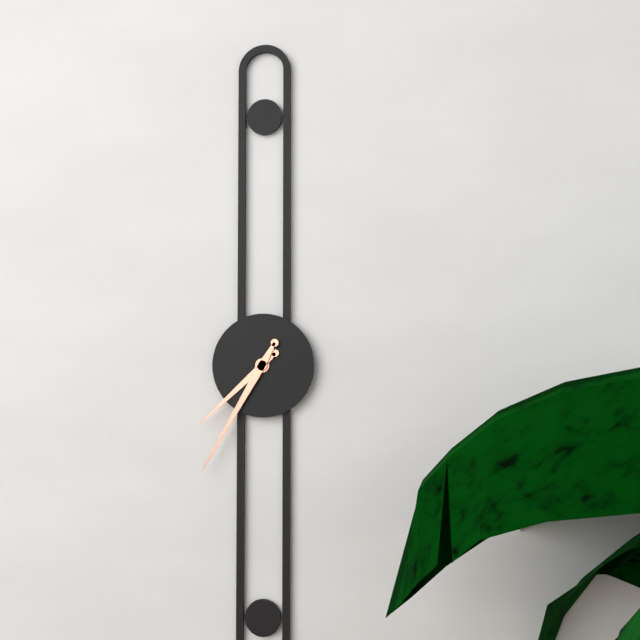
7:35
